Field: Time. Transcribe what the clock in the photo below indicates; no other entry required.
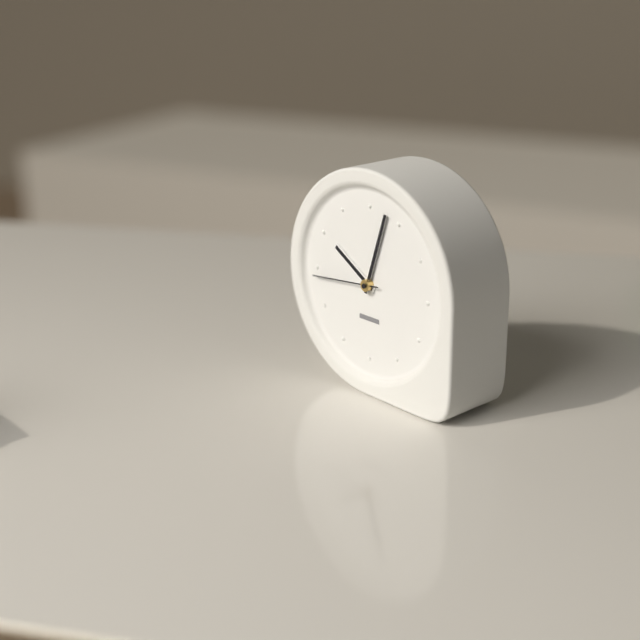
10:03:44
